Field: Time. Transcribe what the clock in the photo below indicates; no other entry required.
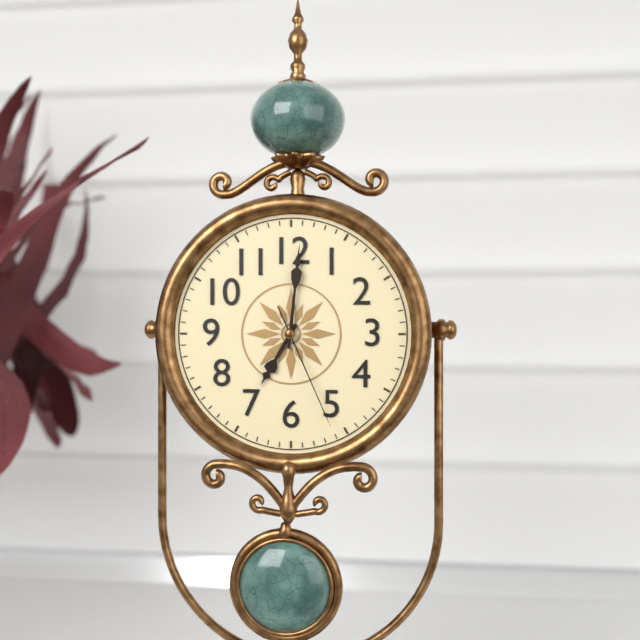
7:01:26
